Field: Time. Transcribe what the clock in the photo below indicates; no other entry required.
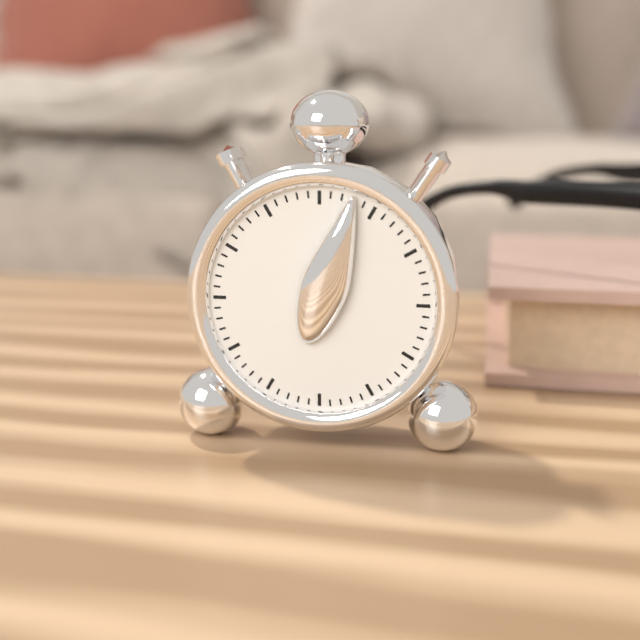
12:03
